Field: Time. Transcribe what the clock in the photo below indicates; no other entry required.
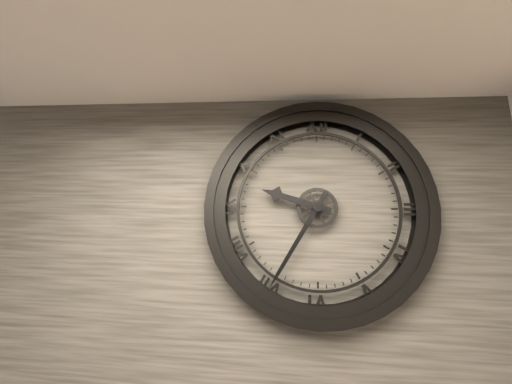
9:35
